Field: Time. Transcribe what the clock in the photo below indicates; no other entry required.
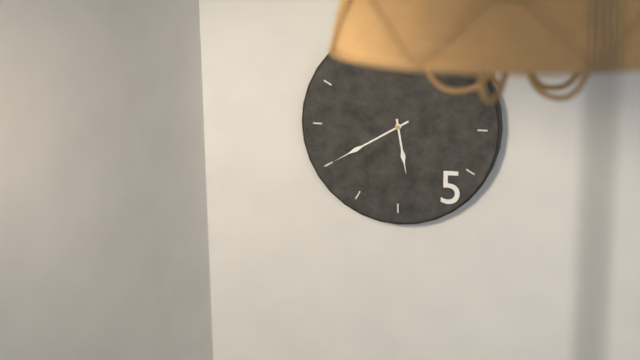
5:40
